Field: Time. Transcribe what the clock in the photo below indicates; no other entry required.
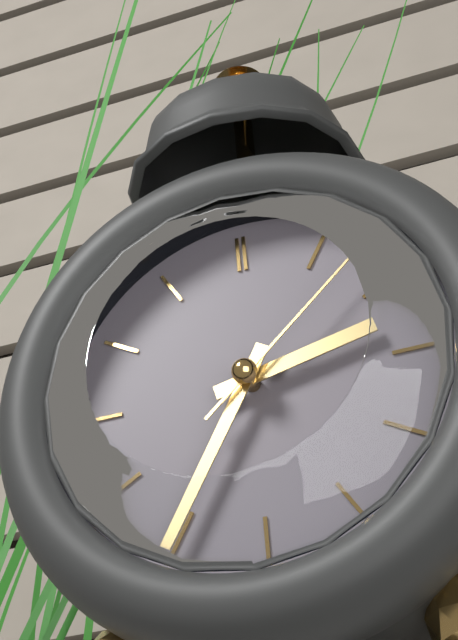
2:35:08
